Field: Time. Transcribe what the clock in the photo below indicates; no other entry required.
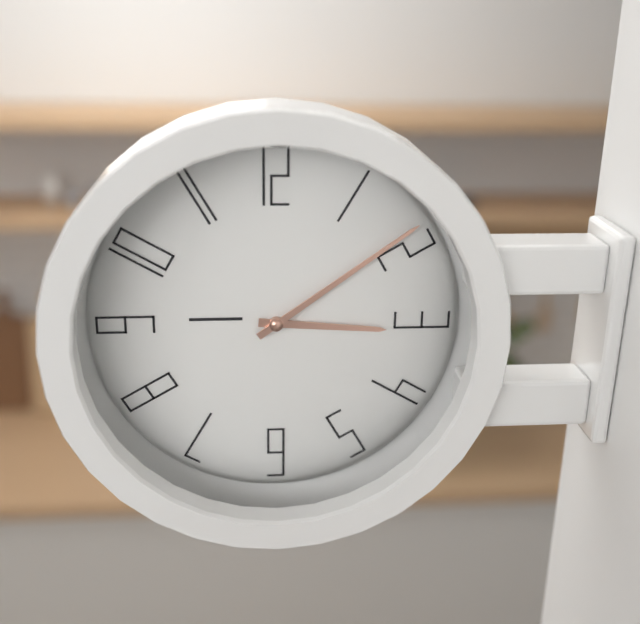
3:09
